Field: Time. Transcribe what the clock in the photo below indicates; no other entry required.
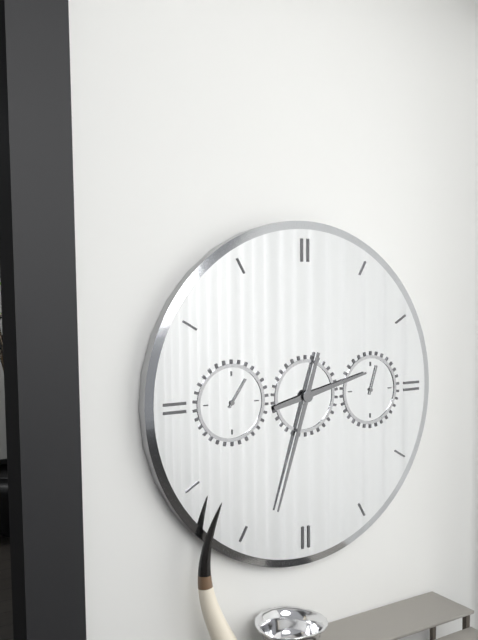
2:33
